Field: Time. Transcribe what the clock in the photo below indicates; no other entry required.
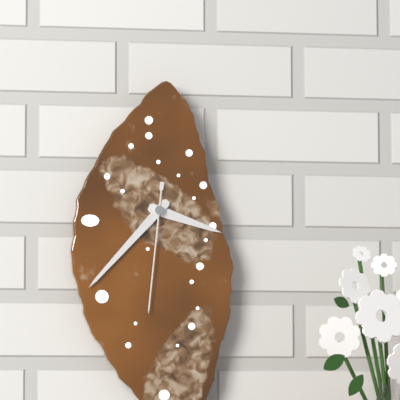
3:37:31
